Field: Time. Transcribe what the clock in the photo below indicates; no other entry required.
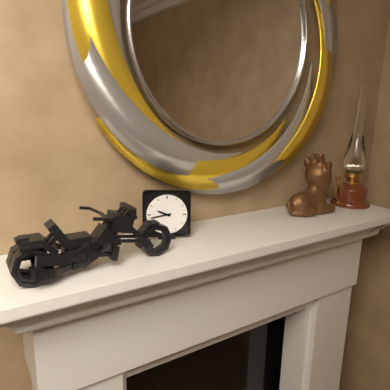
9:43
